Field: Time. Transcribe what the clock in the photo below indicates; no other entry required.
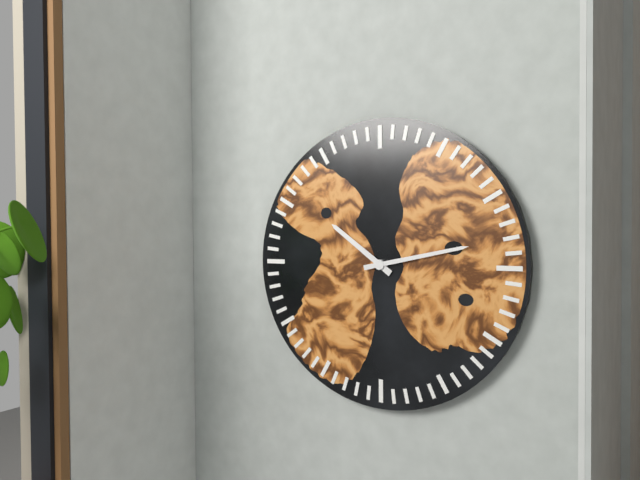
10:13
